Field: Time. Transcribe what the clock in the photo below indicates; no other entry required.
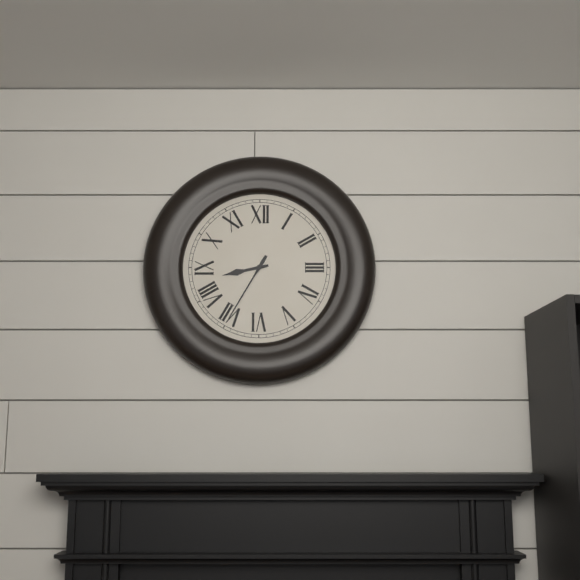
8:35
